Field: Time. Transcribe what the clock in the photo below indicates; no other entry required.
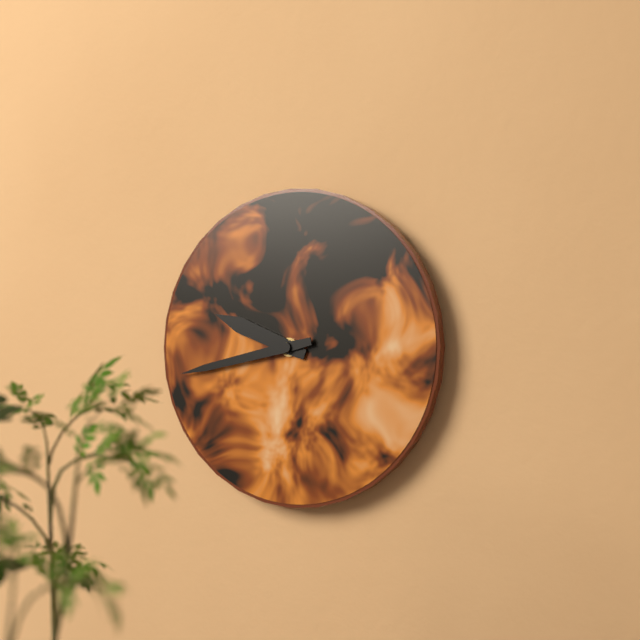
9:43
